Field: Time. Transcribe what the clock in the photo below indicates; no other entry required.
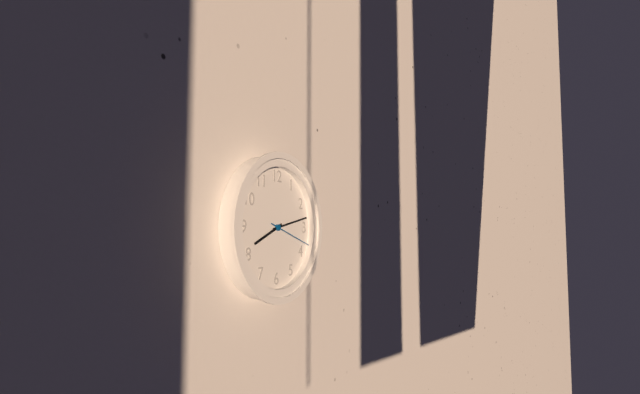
8:13:18
